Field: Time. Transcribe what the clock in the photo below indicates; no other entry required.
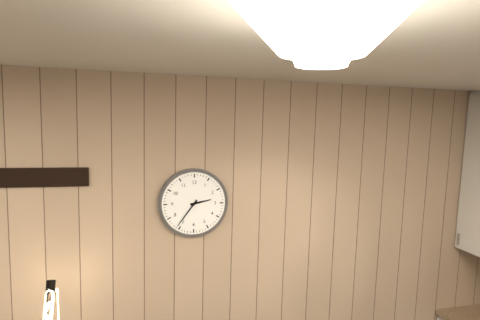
2:36
